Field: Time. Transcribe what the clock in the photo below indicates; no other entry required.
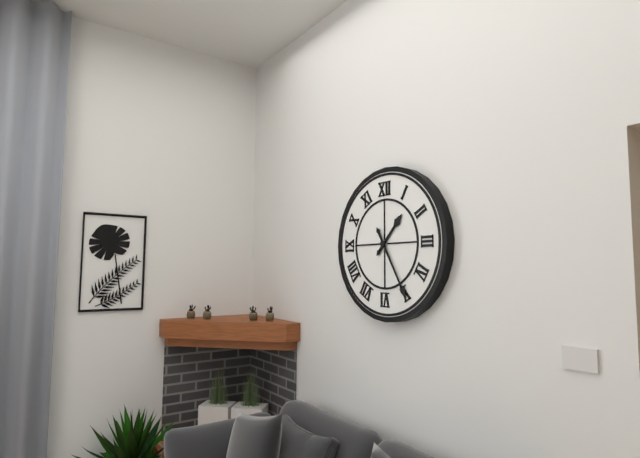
1:25
